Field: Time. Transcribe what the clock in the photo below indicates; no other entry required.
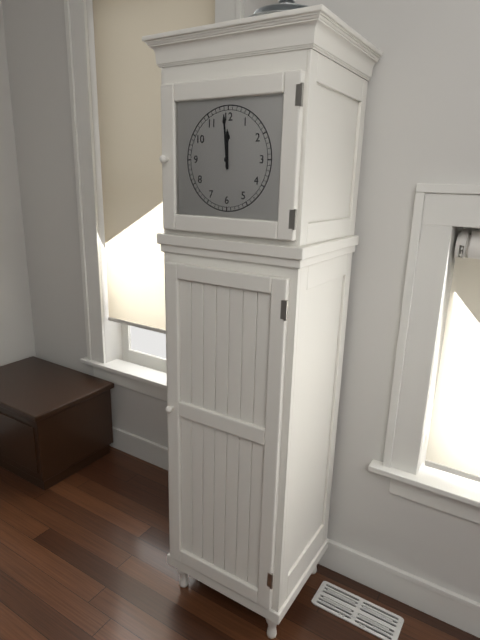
11:59
